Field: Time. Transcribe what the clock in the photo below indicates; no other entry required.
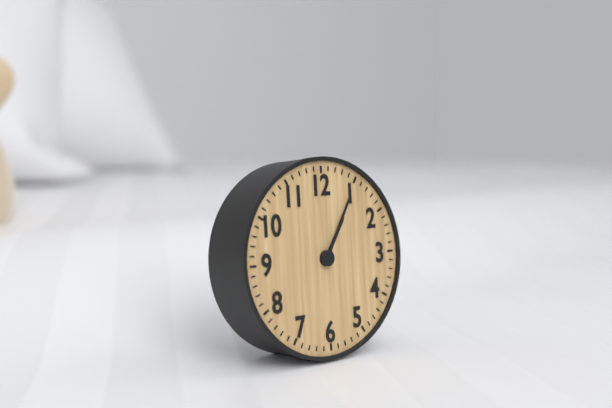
1:05
